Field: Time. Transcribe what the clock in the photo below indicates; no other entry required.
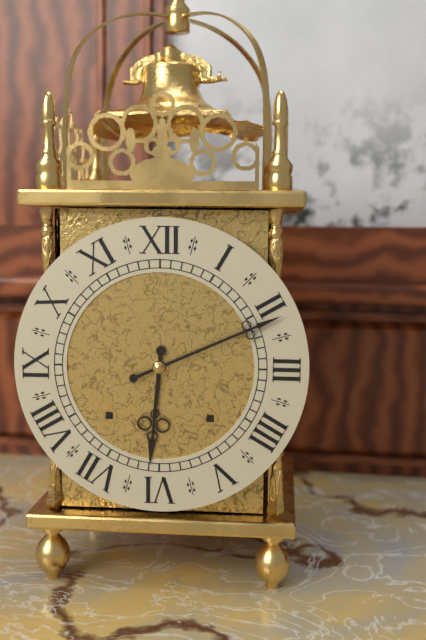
6:11
